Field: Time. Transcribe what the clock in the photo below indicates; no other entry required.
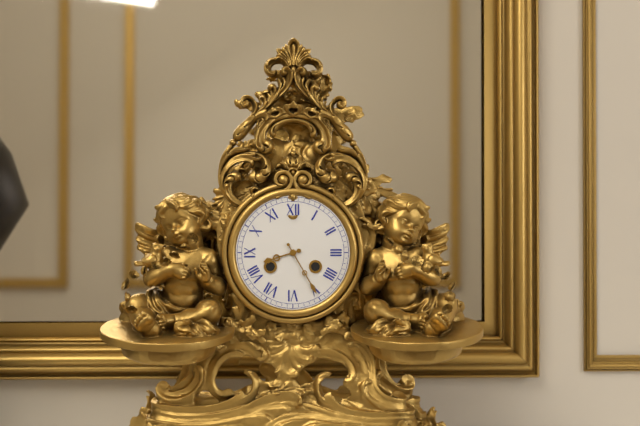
8:25
